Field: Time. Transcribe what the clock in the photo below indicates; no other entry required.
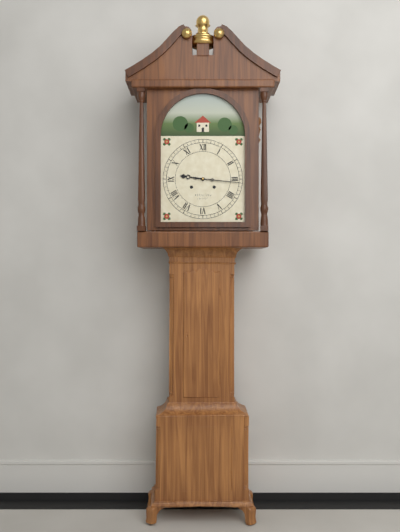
9:16
